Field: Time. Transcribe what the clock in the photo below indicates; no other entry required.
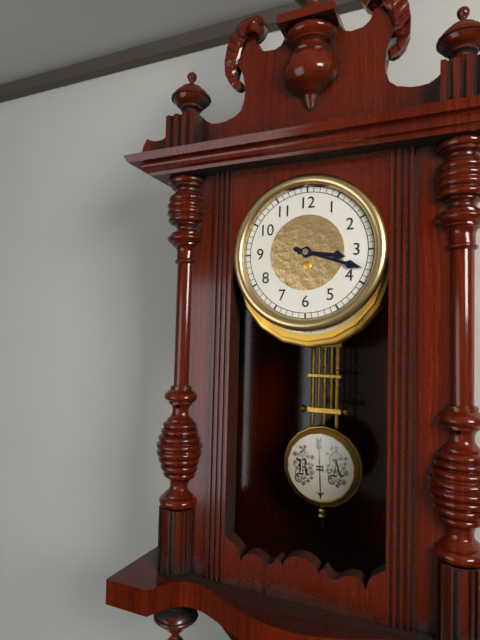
3:18
